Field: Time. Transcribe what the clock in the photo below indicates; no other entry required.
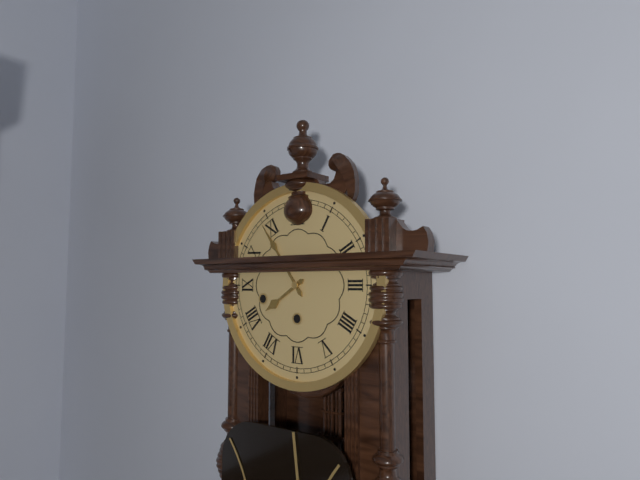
7:54
